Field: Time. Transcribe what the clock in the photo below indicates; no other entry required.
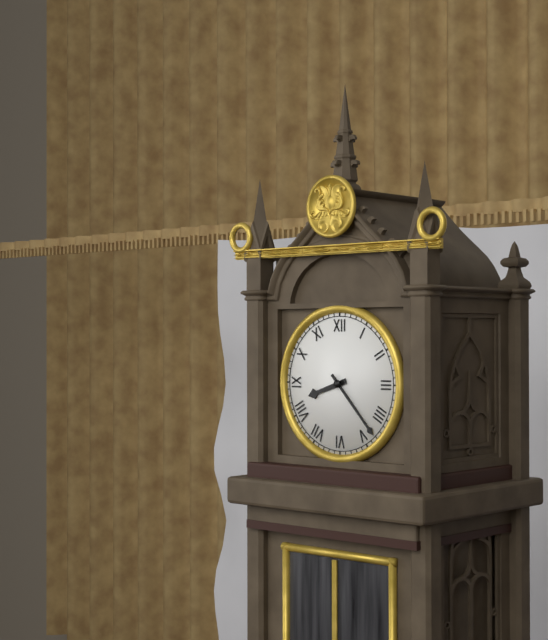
8:23
